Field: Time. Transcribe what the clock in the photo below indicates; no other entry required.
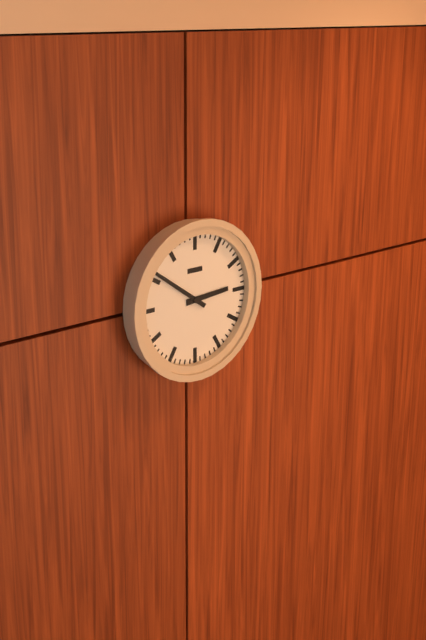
2:51
